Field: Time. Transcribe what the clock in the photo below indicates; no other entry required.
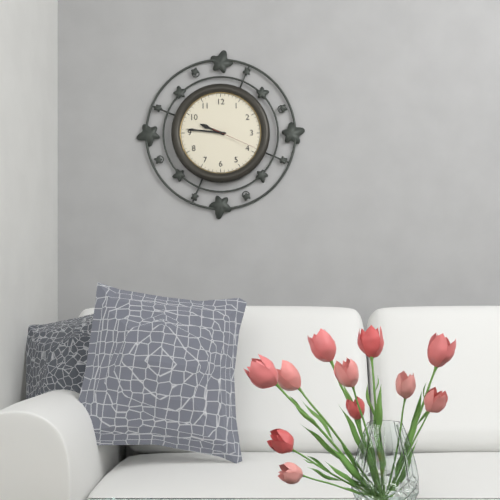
9:46
